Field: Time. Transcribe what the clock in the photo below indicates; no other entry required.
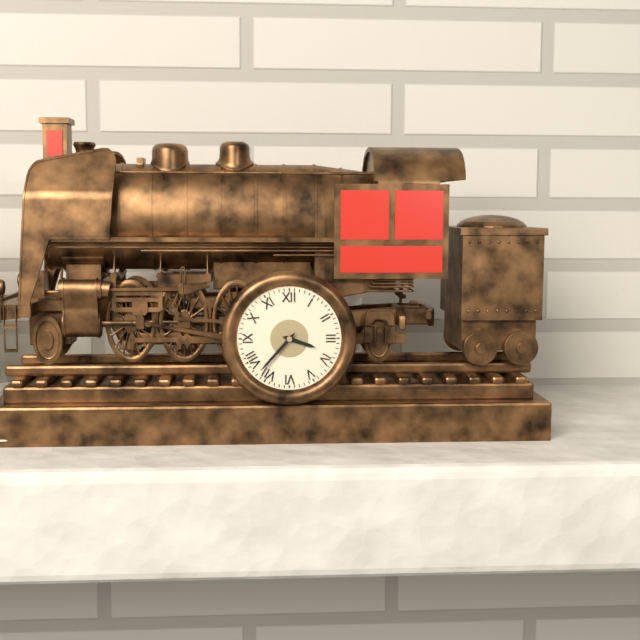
3:37
